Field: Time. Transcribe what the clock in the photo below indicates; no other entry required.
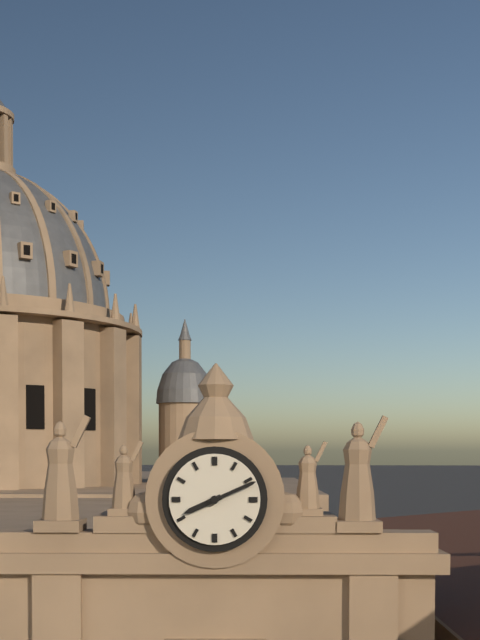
8:11
